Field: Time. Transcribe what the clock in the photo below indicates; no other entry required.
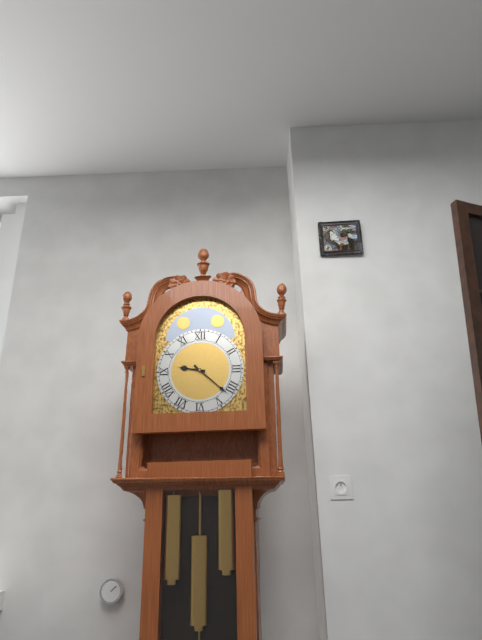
9:22
